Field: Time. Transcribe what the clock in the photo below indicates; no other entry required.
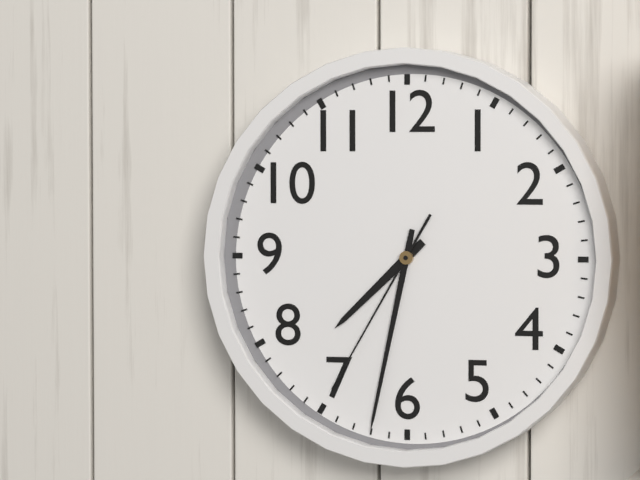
7:32:35
